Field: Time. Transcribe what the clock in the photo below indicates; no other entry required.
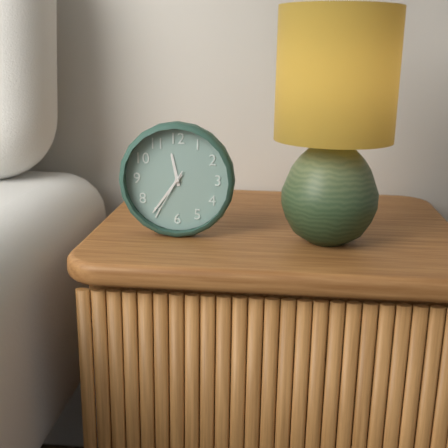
11:36:35
